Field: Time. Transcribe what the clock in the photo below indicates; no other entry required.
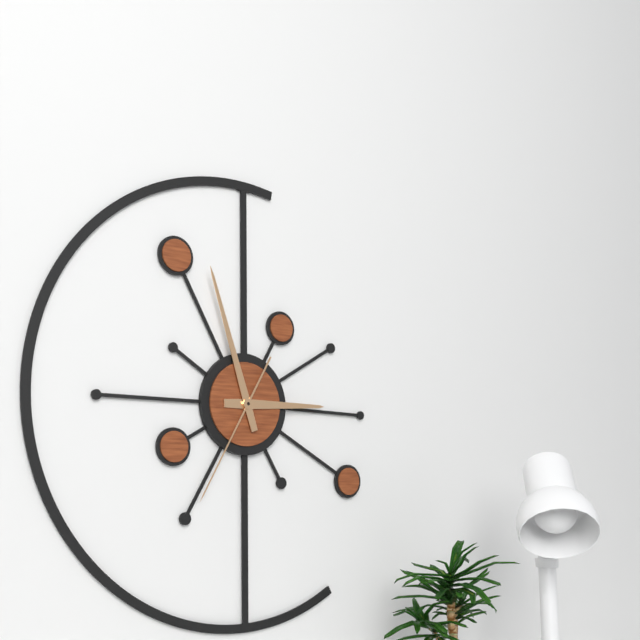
2:57:35
